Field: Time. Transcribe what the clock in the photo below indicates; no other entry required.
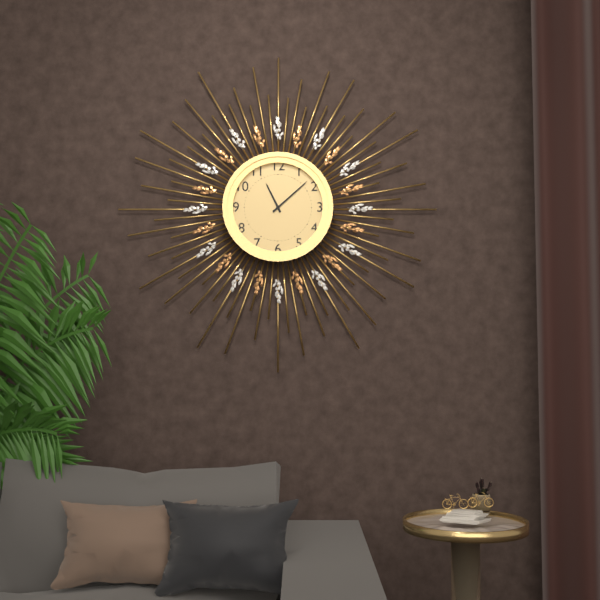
11:08
